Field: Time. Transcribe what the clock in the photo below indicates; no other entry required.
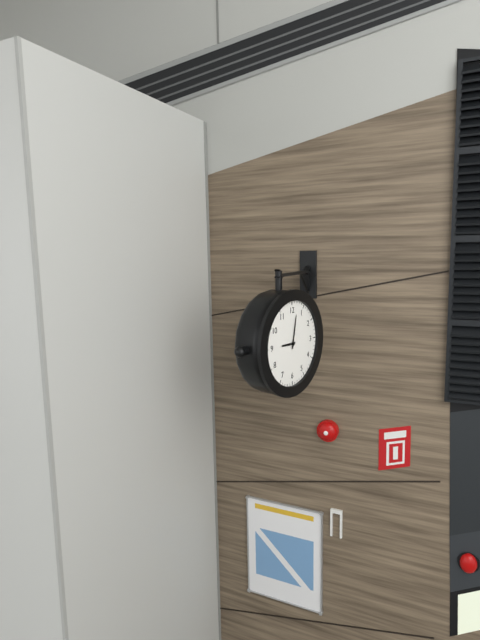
9:02
